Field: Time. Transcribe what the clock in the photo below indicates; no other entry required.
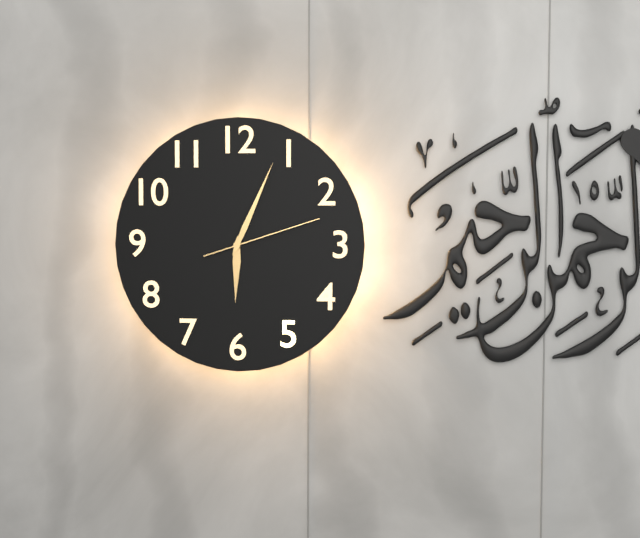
6:04:12
